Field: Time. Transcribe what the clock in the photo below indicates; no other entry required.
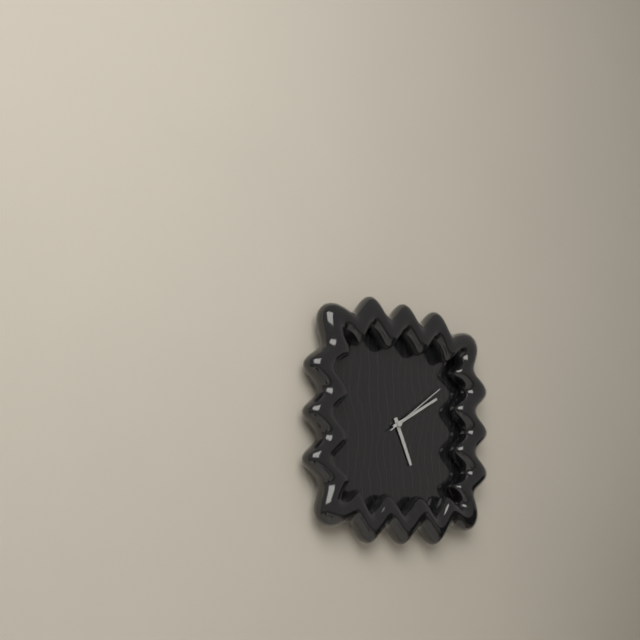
5:10:09
